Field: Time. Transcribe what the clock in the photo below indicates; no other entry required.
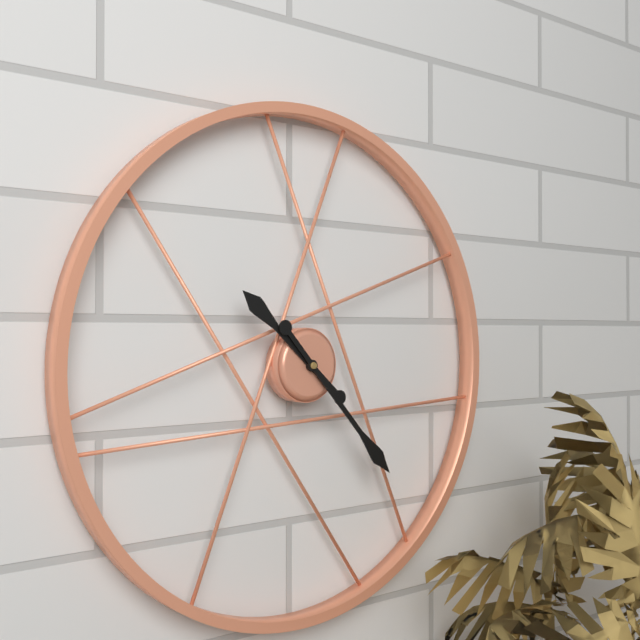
10:23
